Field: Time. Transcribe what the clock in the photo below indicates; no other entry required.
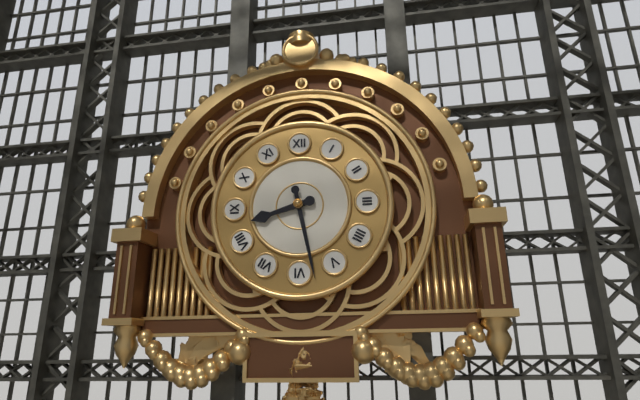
8:28
